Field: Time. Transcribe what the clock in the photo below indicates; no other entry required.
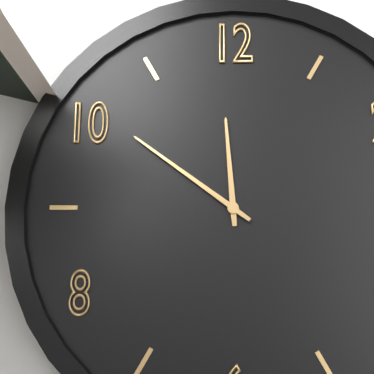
11:51
